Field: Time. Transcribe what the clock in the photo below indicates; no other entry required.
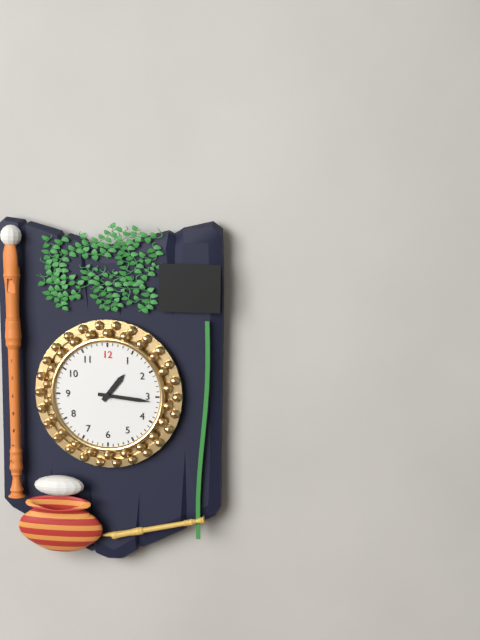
1:16
